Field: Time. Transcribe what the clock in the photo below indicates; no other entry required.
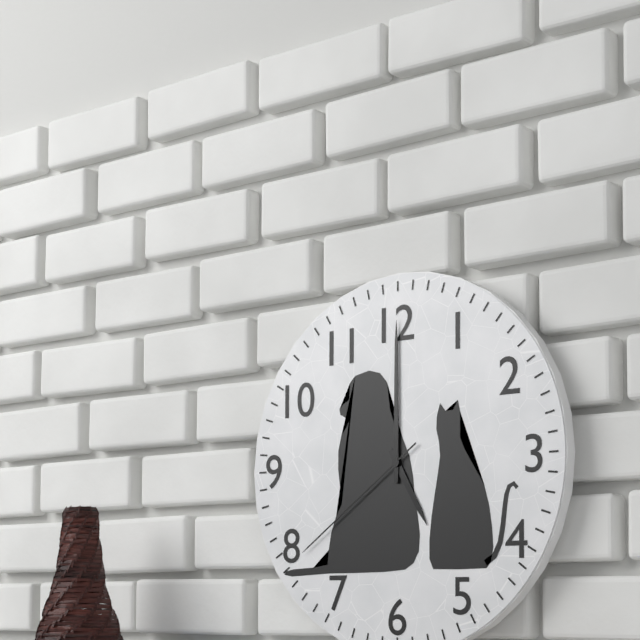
5:00:39
